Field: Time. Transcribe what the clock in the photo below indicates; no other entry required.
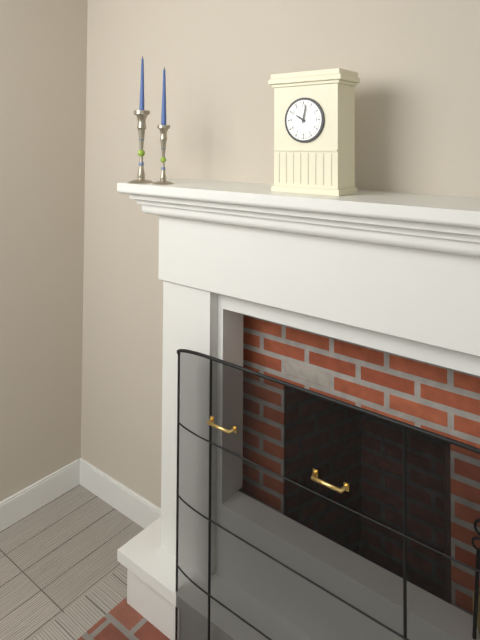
10:02
